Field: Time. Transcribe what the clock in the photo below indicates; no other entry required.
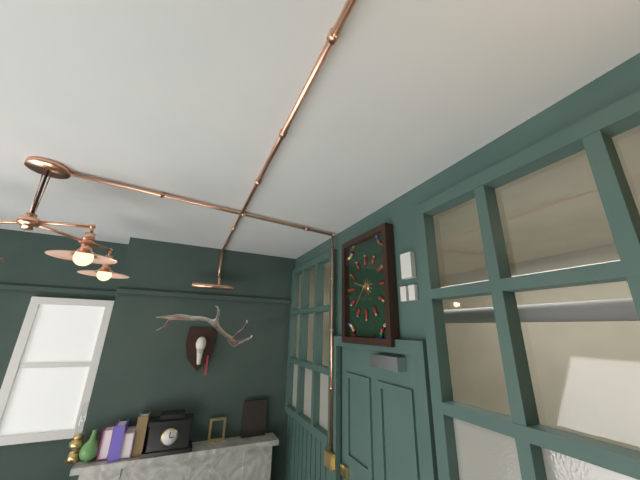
9:37
